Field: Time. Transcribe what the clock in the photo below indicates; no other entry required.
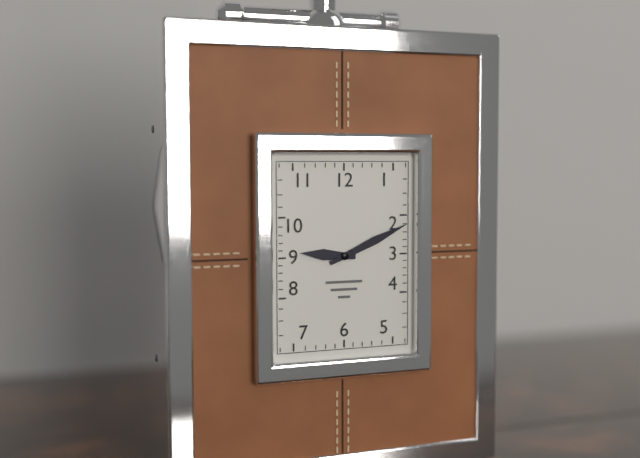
9:11
